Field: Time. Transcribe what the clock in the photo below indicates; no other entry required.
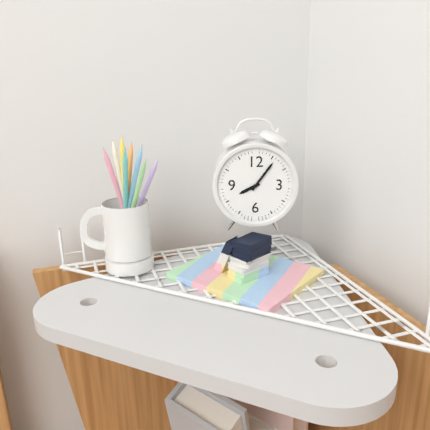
8:06
